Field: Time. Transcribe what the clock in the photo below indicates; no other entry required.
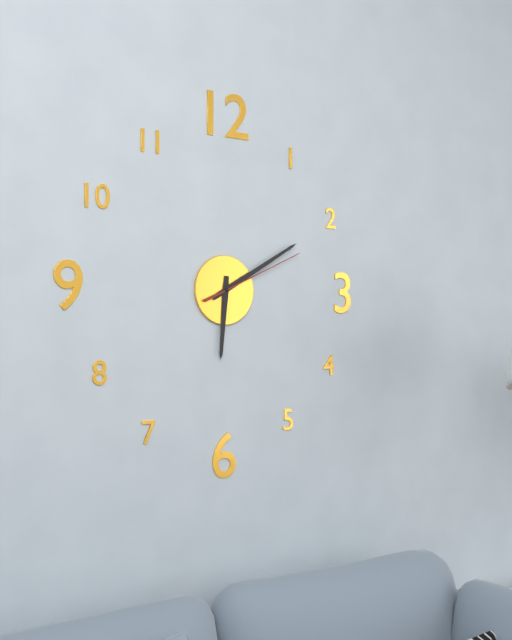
6:10:11
